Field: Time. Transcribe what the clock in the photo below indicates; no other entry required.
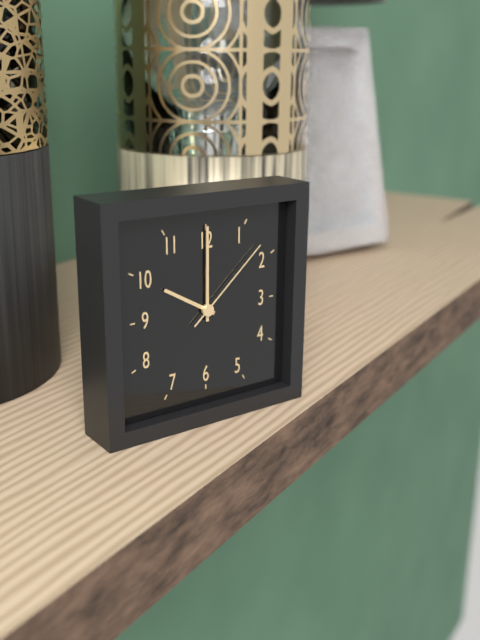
10:00:08
